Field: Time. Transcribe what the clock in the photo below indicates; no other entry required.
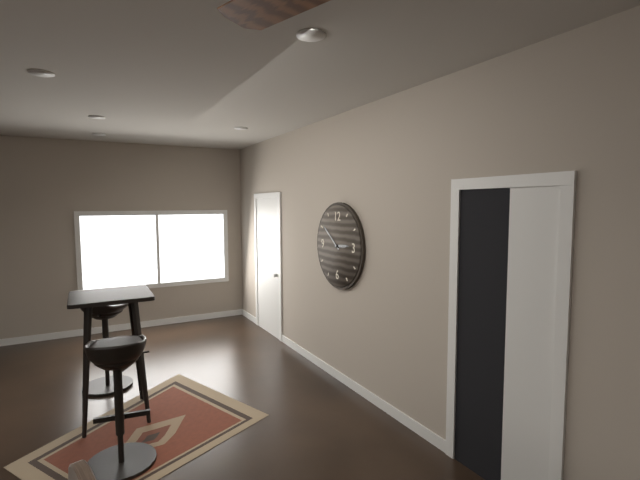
2:51
